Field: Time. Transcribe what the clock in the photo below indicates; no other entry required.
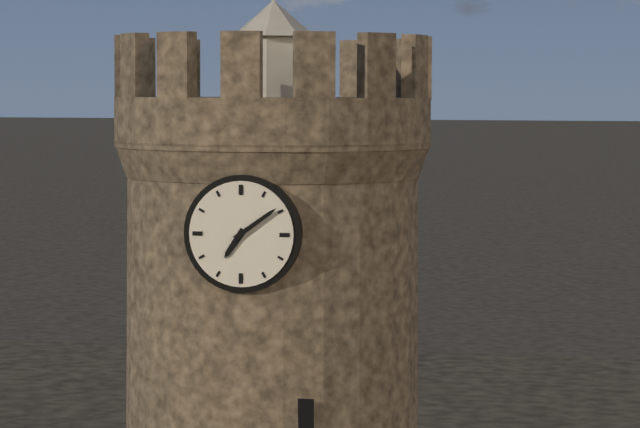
7:09
